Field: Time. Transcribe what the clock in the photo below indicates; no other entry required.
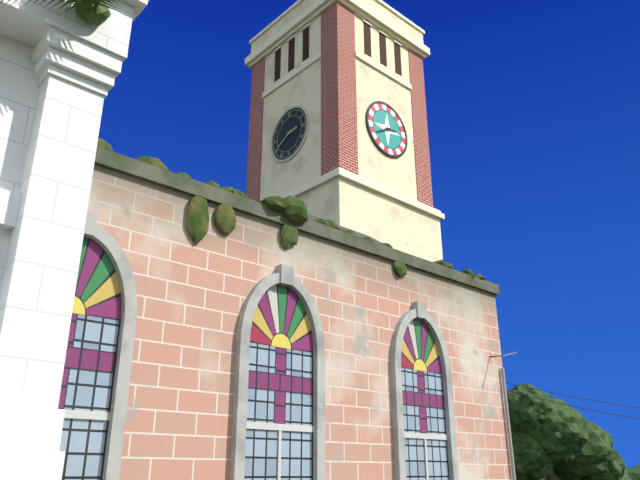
2:40
